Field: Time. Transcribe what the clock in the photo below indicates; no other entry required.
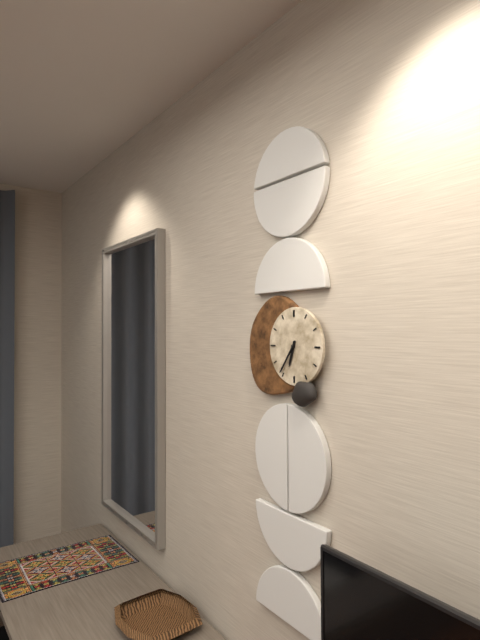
6:36
